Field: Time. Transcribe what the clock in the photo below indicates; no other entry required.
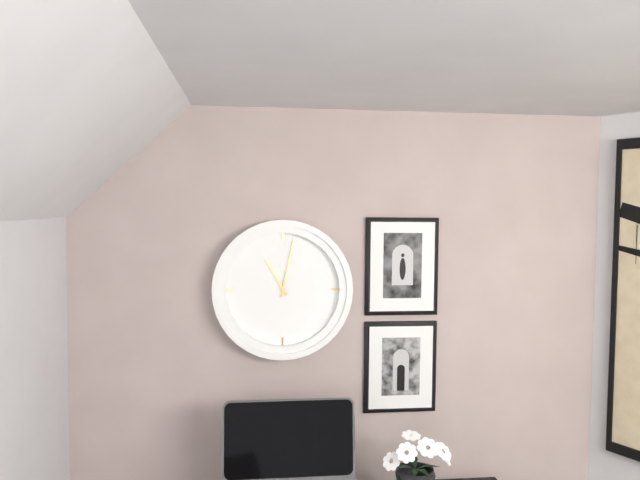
11:02
